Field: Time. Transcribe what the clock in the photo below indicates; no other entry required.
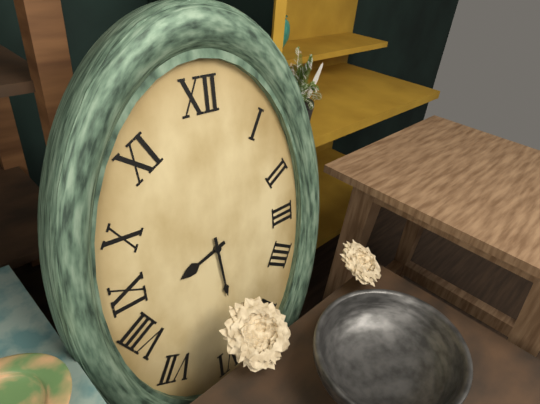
8:29
